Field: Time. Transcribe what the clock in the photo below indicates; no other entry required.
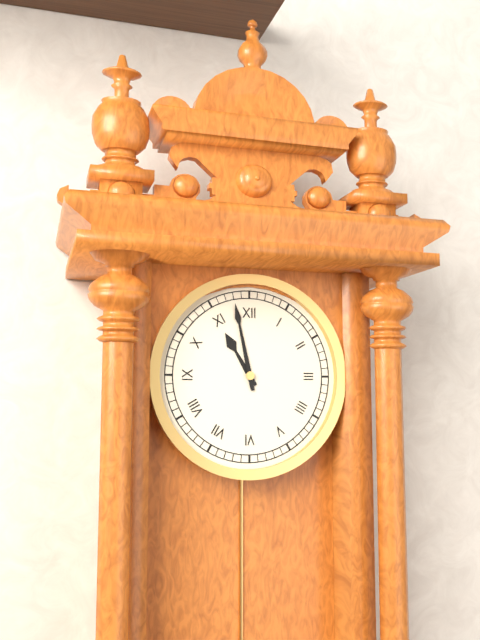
10:58
